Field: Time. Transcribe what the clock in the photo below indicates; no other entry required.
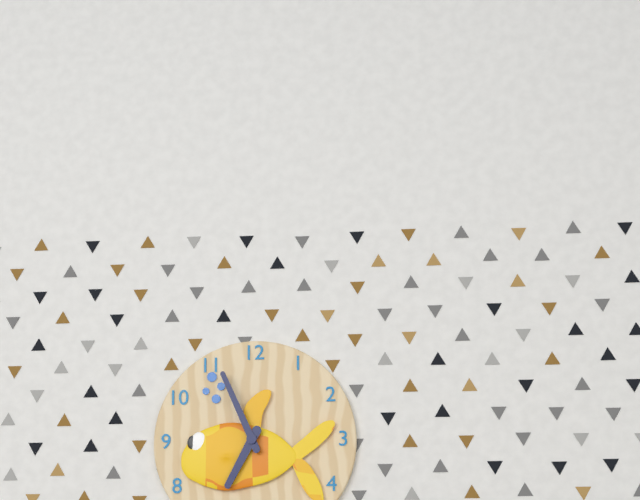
6:56
